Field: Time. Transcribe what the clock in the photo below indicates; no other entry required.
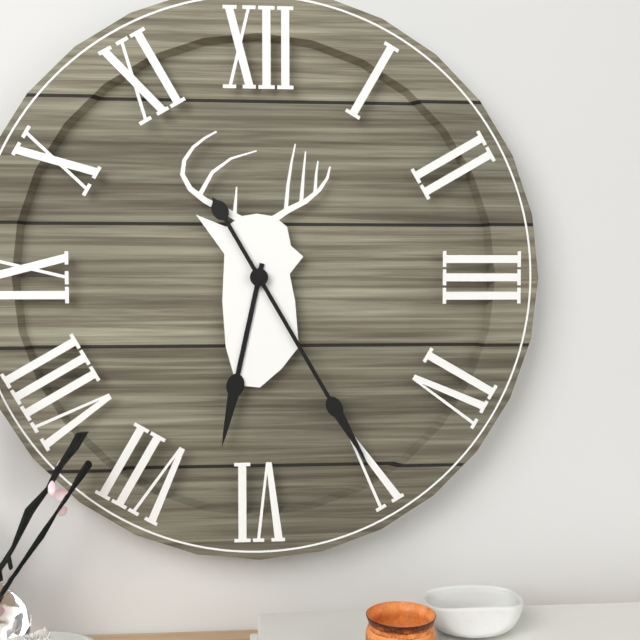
6:25
